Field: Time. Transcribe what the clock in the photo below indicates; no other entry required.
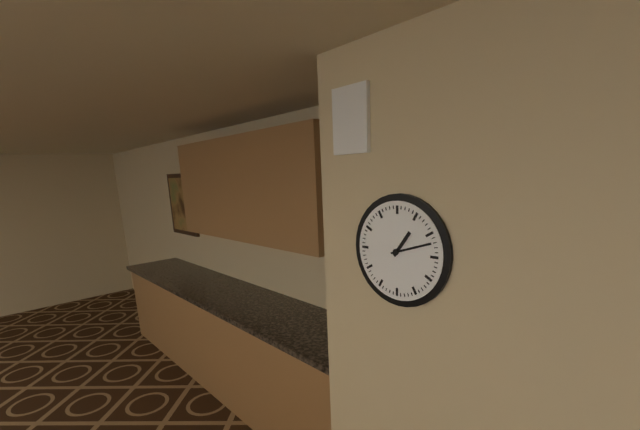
1:12
